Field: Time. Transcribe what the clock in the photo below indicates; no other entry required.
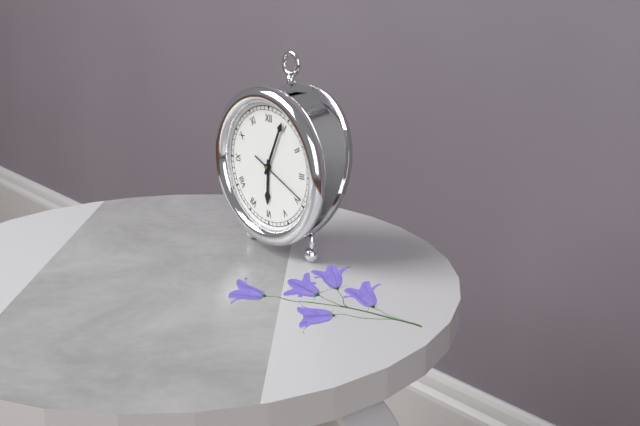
6:04:19
